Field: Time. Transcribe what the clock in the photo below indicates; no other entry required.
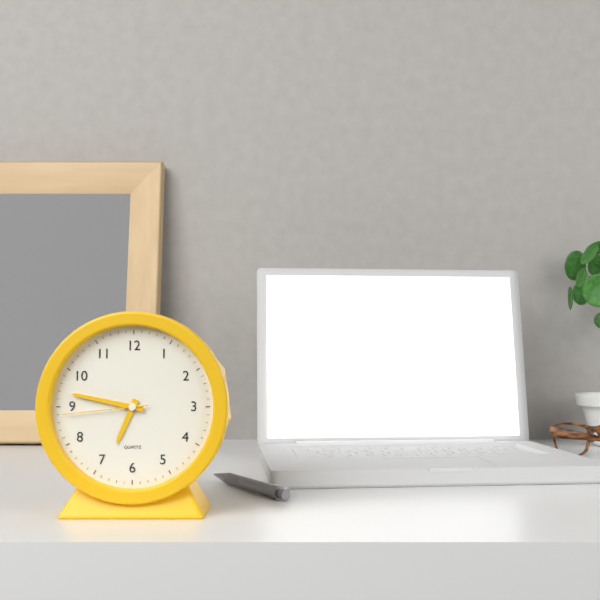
6:47:44
